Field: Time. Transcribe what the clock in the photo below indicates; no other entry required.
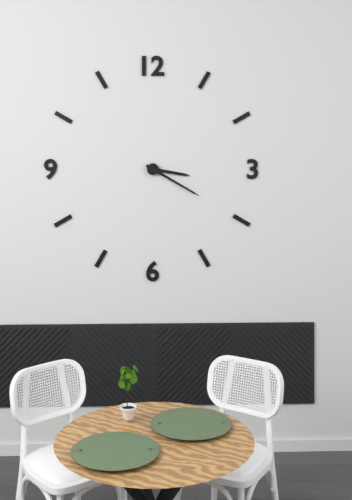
3:20
